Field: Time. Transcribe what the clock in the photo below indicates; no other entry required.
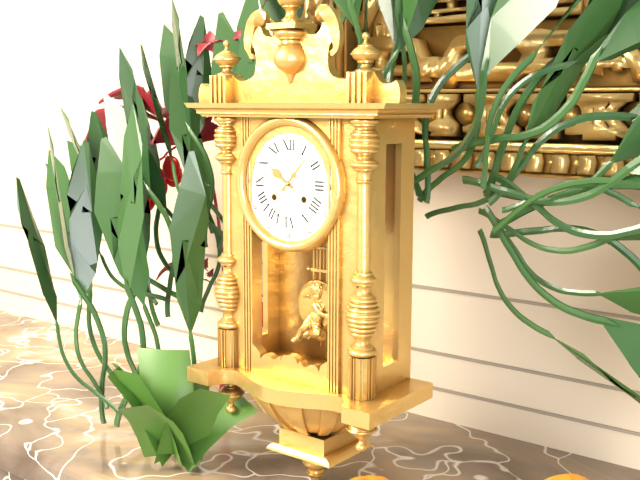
10:07
